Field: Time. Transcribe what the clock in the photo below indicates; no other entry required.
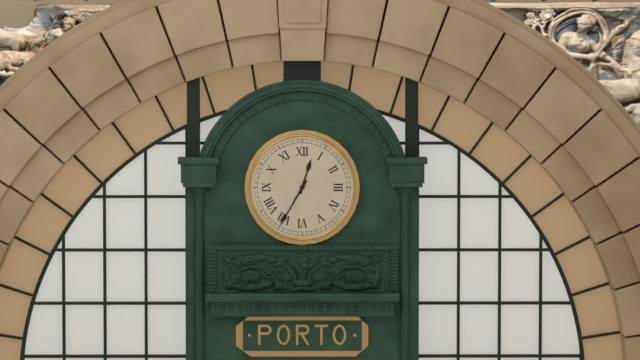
12:35
